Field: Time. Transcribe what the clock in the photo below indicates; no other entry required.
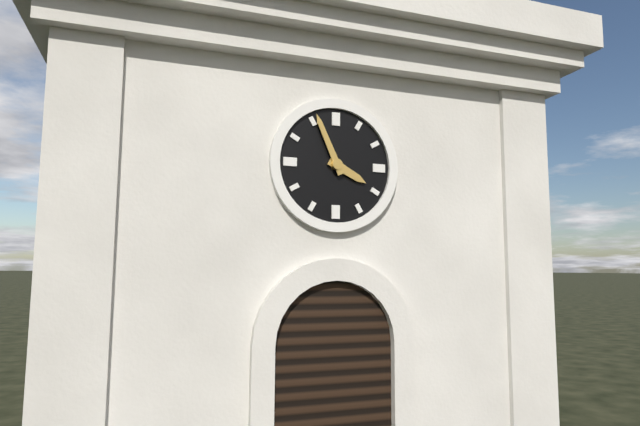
3:56
